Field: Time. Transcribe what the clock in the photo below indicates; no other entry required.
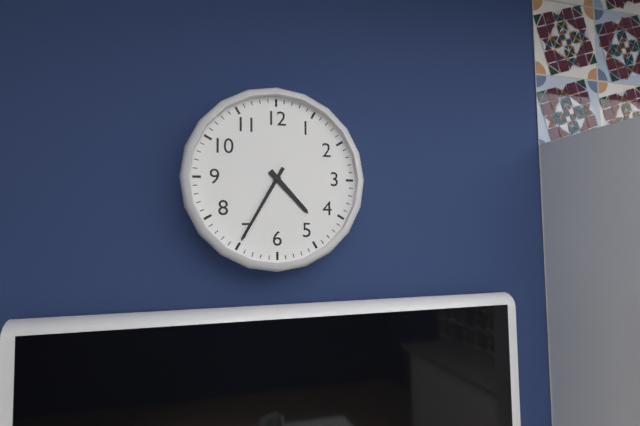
4:35
